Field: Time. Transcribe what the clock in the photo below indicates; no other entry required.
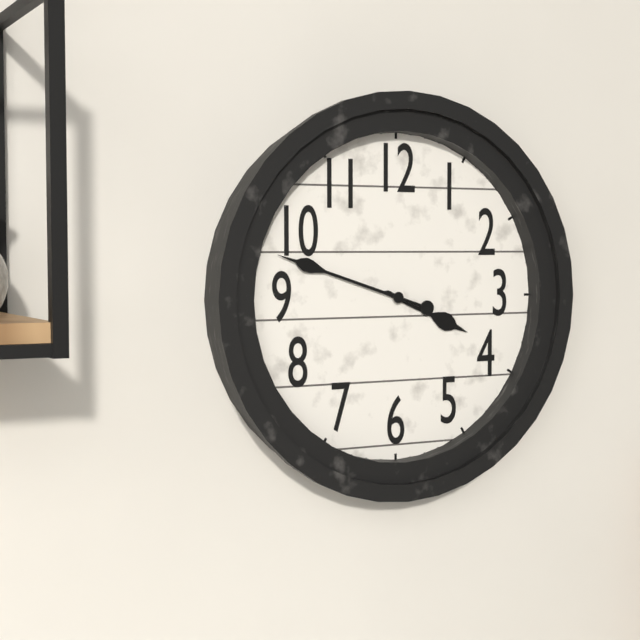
3:48
